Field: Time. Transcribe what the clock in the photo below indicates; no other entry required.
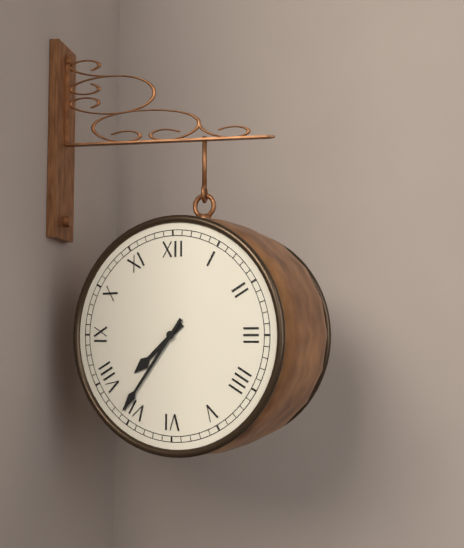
7:36
